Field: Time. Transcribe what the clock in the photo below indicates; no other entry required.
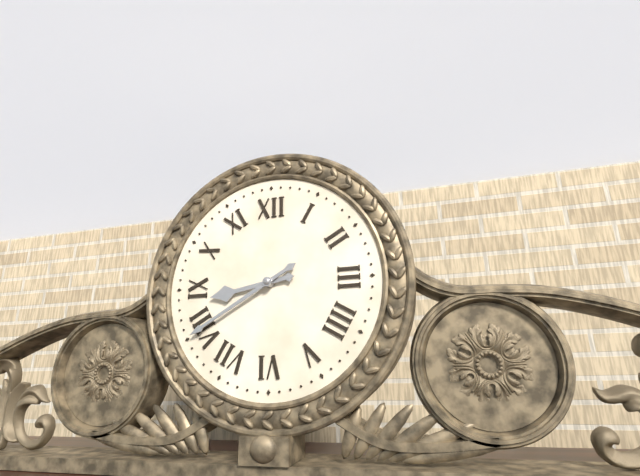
8:40
